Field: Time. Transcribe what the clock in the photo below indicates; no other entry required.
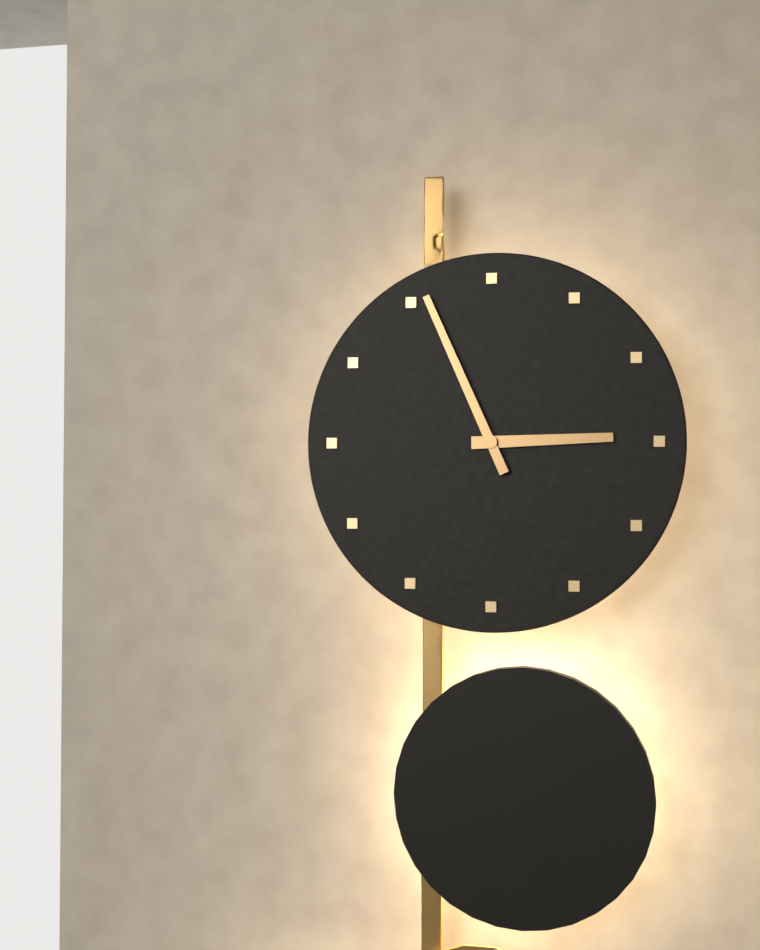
2:56
